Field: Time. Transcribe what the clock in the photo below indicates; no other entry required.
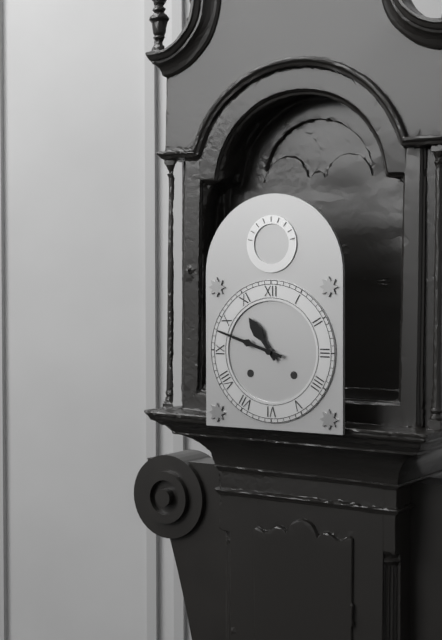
10:48
